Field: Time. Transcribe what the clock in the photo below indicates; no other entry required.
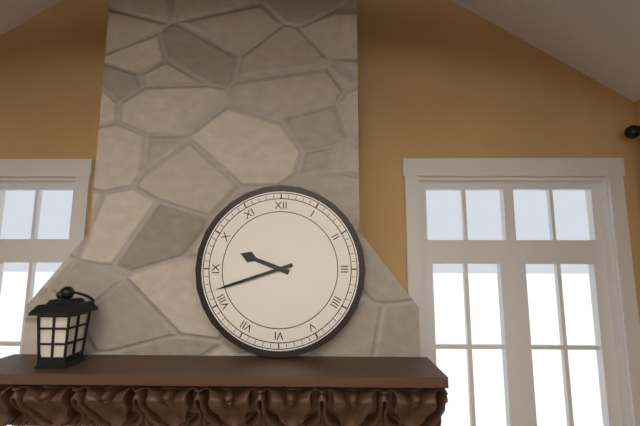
9:42
